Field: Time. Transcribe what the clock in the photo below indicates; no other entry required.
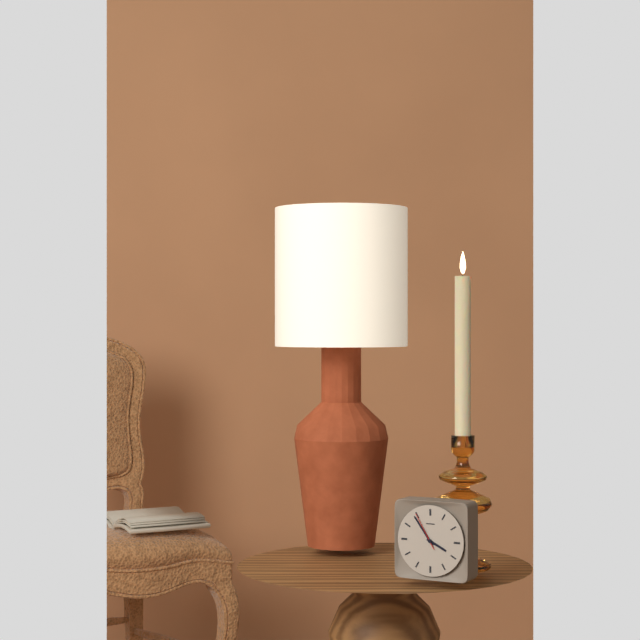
3:54
